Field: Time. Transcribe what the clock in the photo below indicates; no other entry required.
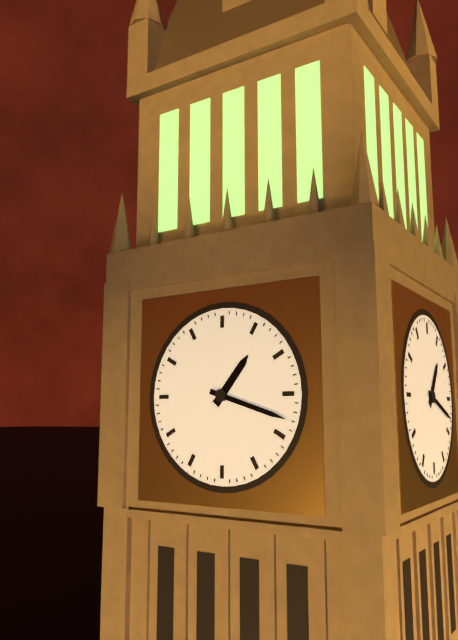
1:18
